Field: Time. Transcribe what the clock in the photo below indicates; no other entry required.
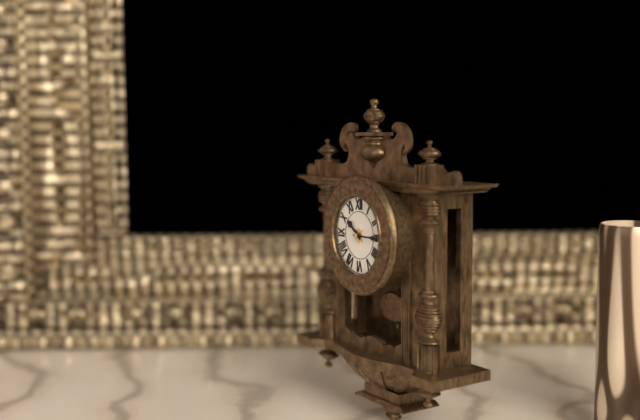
10:15
